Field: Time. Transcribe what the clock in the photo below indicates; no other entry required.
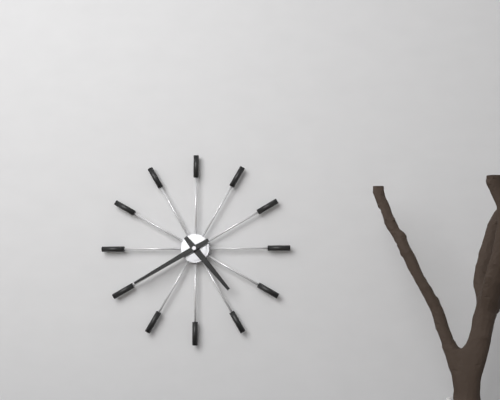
4:40
